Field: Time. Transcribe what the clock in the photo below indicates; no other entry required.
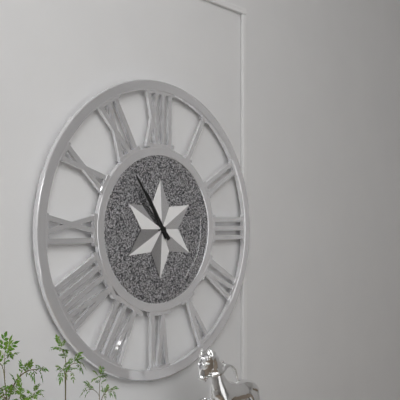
10:54
